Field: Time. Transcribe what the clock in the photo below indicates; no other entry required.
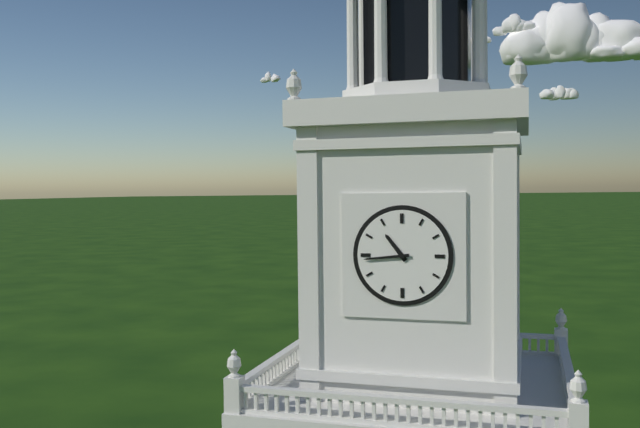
10:44
